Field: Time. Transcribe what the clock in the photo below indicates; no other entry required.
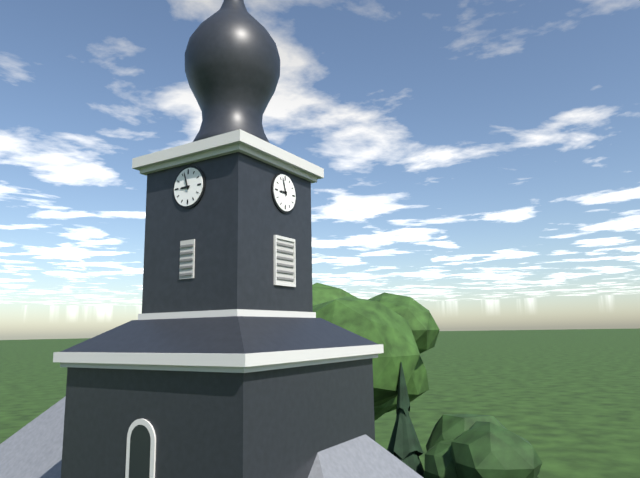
8:57
